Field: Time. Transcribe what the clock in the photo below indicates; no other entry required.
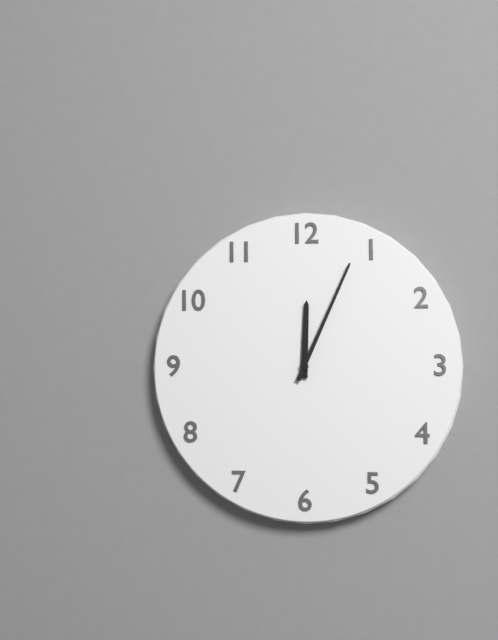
12:04
